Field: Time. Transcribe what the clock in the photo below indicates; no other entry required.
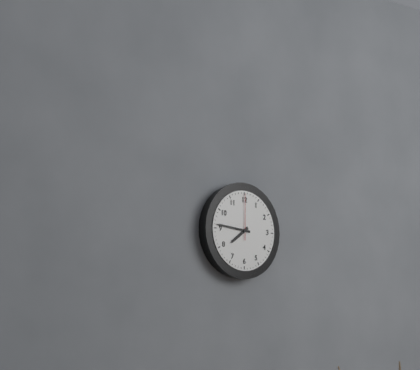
7:46
